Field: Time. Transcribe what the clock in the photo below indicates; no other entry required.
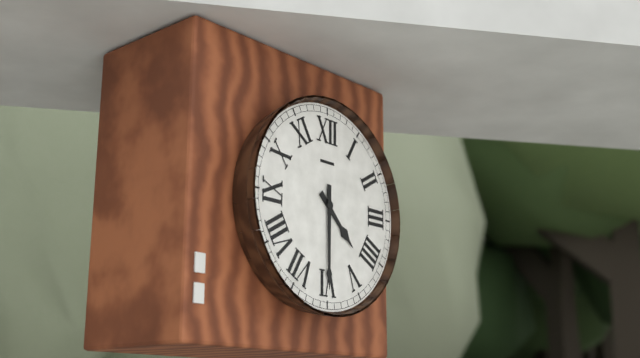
4:30
